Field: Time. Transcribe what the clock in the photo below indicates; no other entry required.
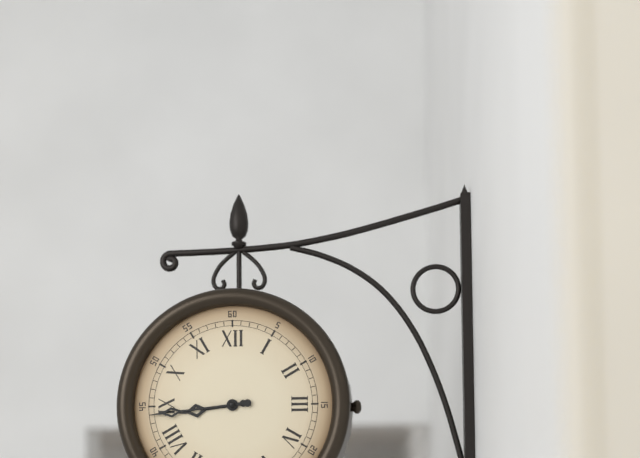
8:44
